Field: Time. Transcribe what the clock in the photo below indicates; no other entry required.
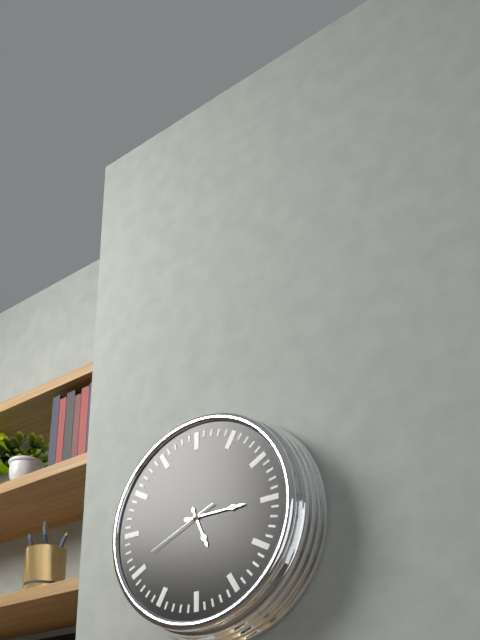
5:15:41
